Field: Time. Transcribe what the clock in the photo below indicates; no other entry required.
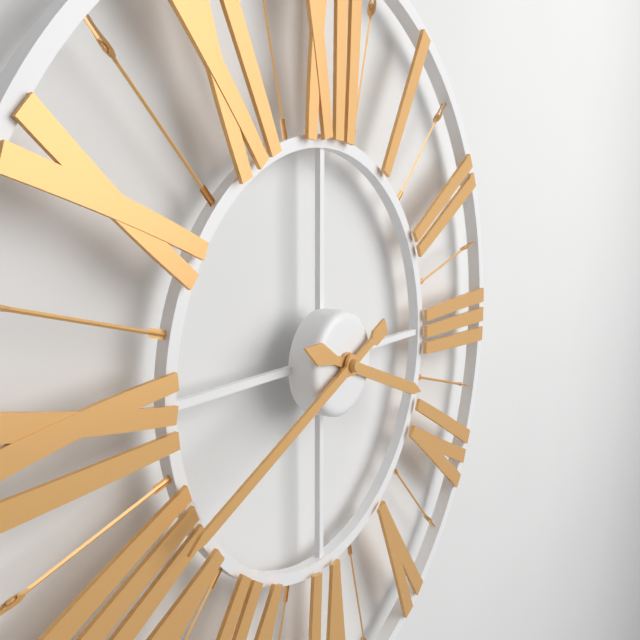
3:41
